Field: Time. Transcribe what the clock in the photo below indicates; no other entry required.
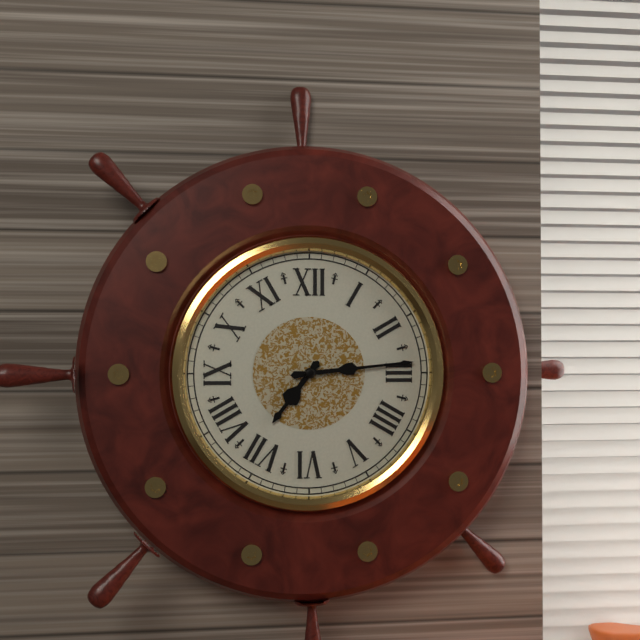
7:14
